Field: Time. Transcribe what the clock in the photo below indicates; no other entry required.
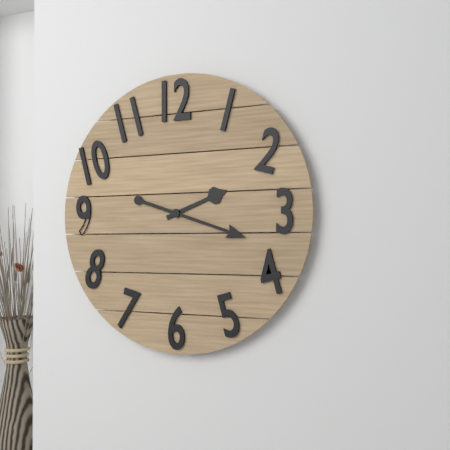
2:18
